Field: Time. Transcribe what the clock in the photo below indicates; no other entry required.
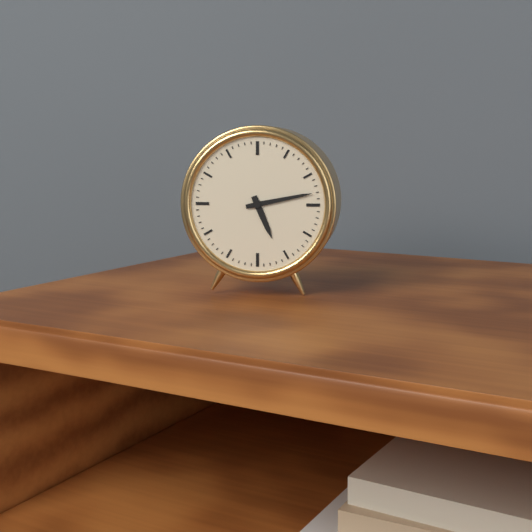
5:13
